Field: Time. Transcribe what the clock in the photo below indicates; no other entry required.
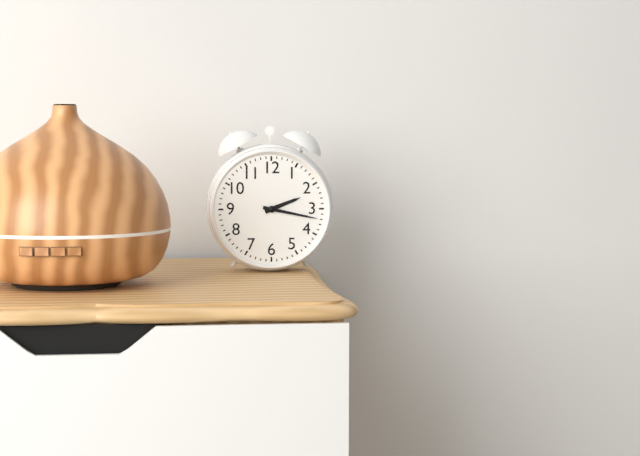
2:17
